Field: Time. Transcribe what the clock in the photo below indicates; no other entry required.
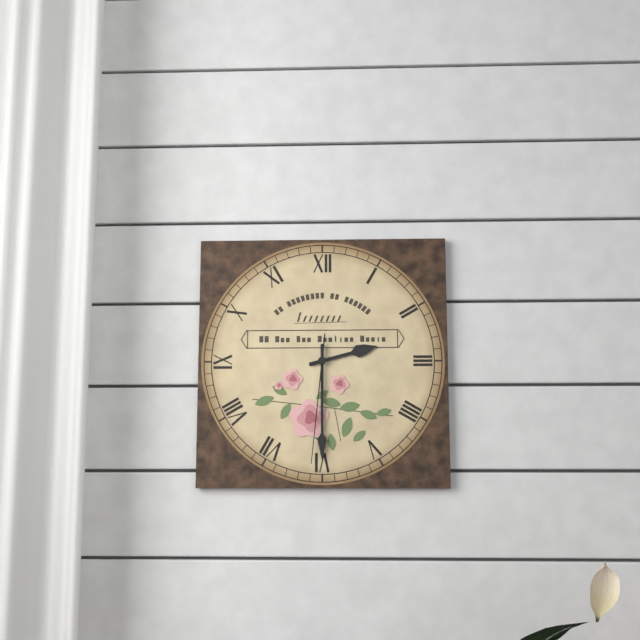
2:30:31
